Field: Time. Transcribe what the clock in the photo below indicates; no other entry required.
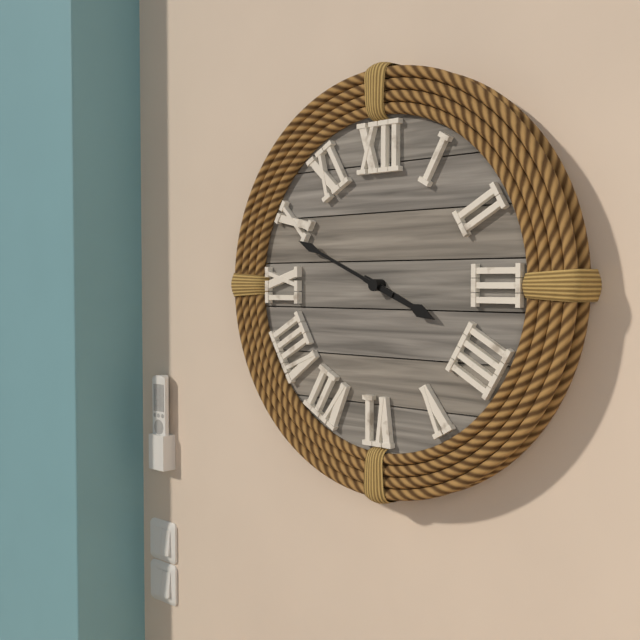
3:49
